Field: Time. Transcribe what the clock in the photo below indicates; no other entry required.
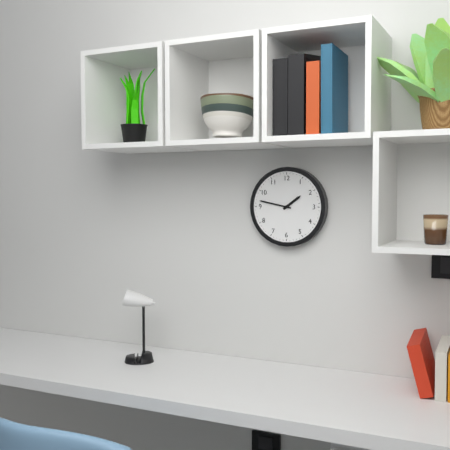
1:47
